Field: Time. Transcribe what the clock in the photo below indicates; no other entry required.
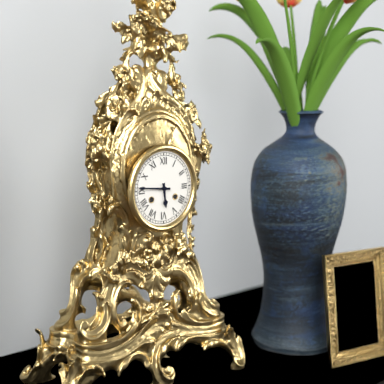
5:46
